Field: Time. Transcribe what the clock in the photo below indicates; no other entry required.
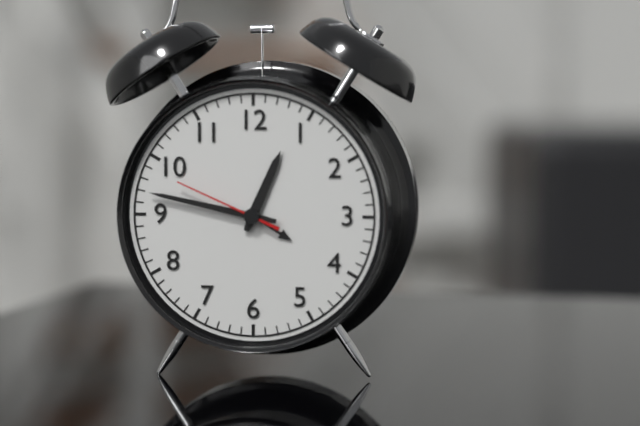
12:47:49
